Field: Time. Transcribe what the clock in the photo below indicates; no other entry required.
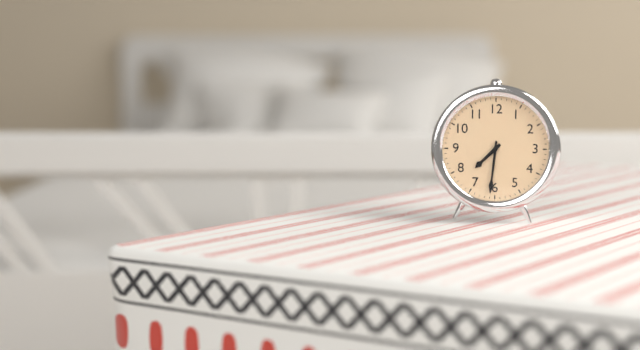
7:31
